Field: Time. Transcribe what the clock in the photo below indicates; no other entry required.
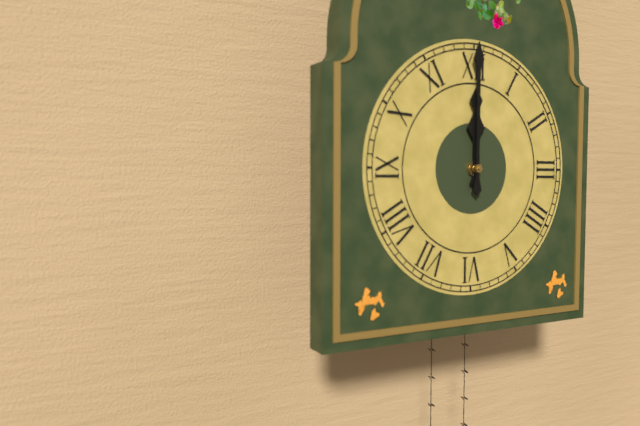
12:00
